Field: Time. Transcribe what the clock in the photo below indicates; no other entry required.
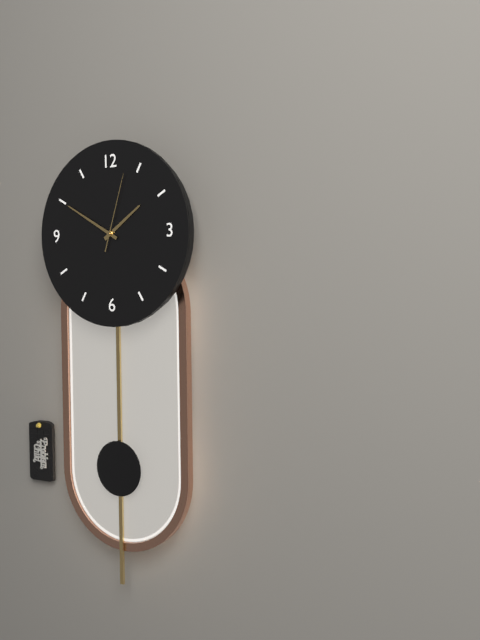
1:50:03
